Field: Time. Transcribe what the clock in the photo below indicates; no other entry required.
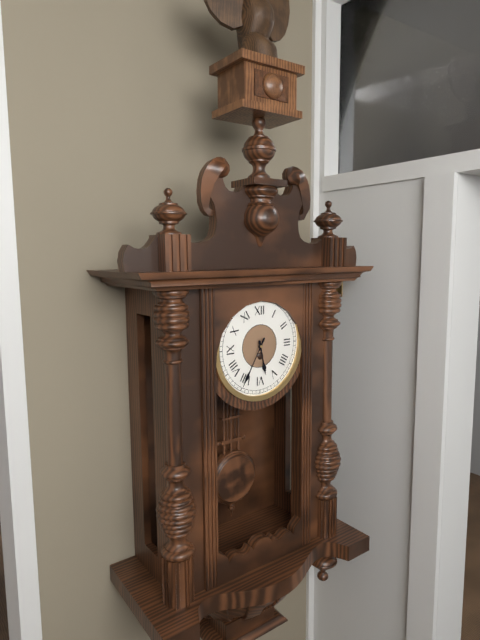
5:35
